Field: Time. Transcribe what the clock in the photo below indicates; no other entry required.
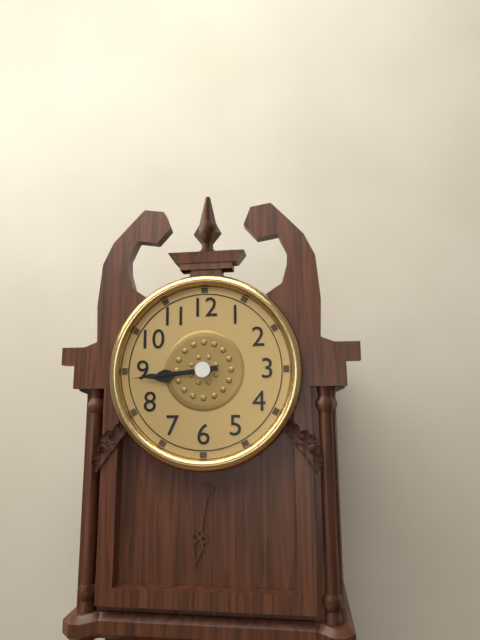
8:44
